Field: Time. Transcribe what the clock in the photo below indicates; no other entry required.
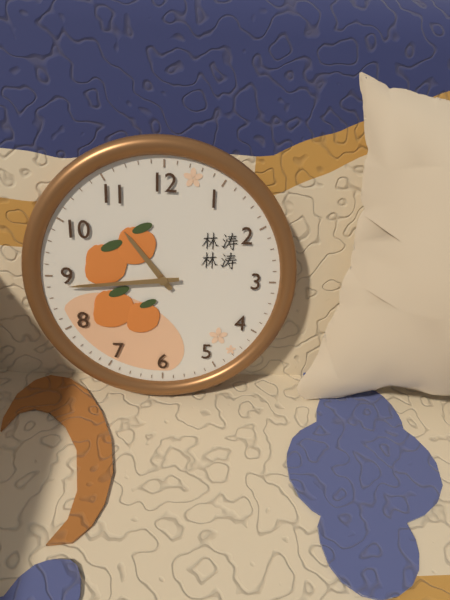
10:44
